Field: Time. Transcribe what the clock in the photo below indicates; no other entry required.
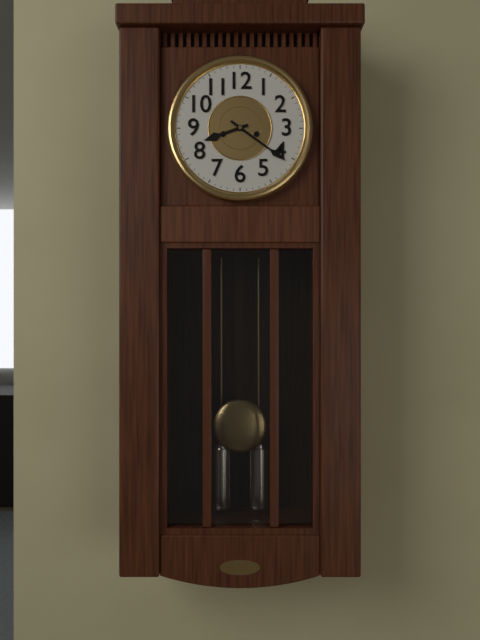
8:21
